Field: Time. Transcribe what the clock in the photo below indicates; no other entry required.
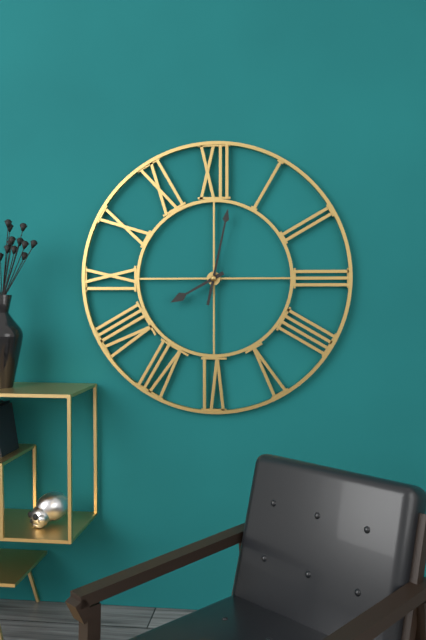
8:02
